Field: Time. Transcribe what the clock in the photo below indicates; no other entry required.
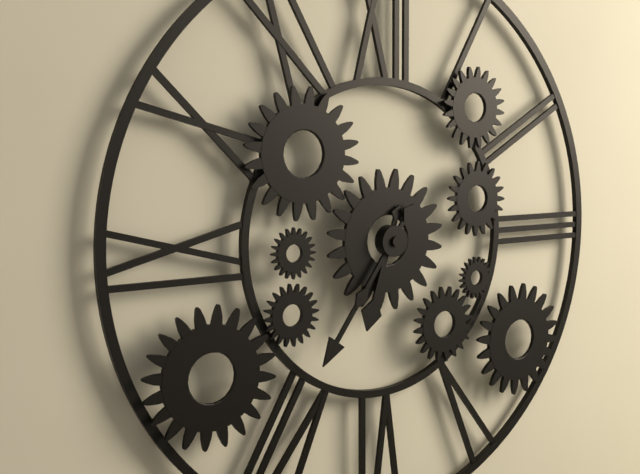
6:36
